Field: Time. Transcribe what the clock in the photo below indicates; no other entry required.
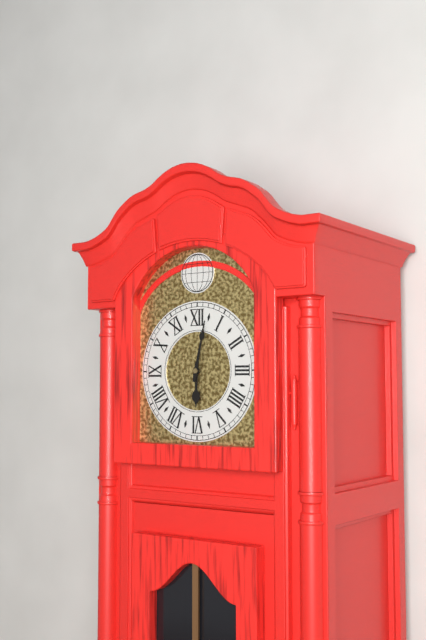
6:02
